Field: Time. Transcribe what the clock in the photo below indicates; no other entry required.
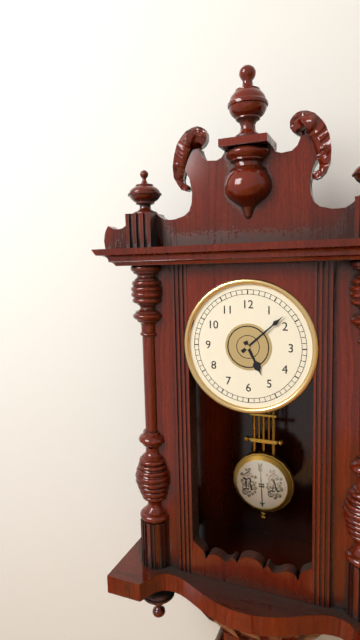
5:08
